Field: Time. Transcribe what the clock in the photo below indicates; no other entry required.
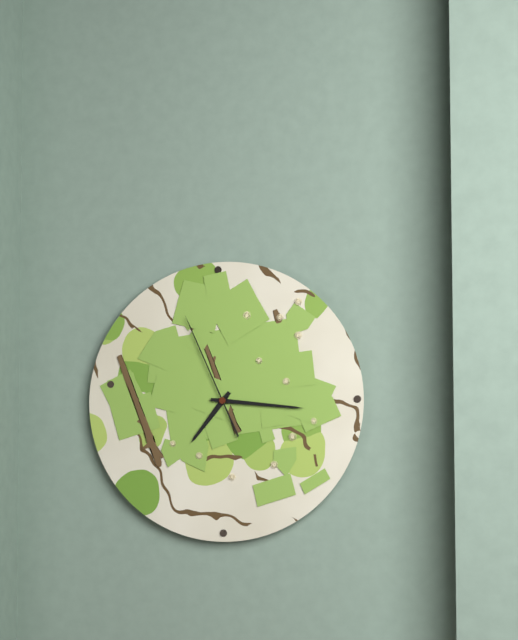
7:16:56
